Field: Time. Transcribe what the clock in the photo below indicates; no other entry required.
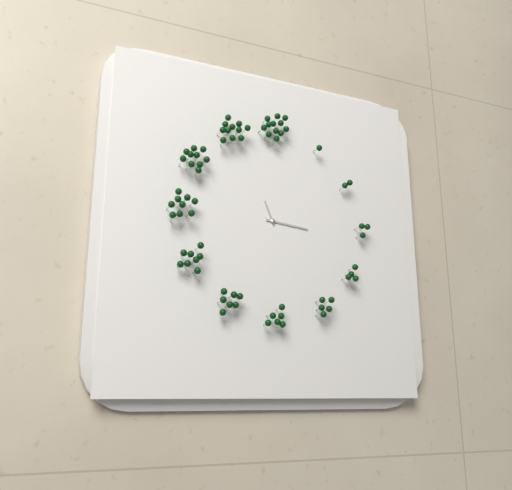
11:16
